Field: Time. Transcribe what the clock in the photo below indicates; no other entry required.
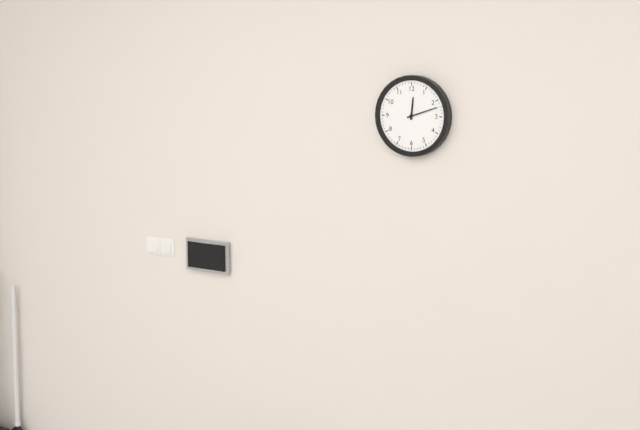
12:12
